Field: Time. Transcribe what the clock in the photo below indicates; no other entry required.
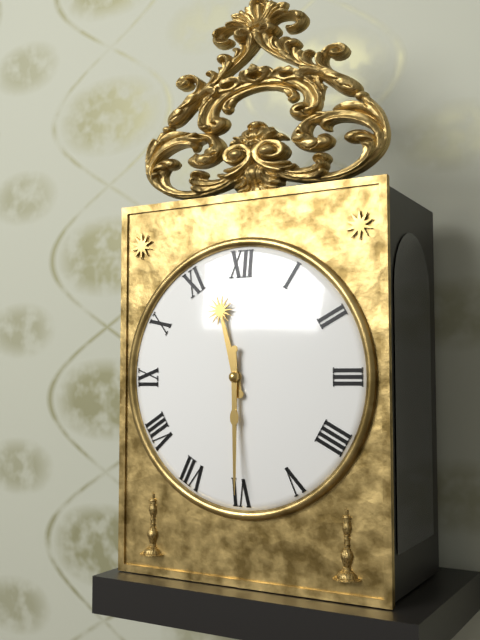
11:30
